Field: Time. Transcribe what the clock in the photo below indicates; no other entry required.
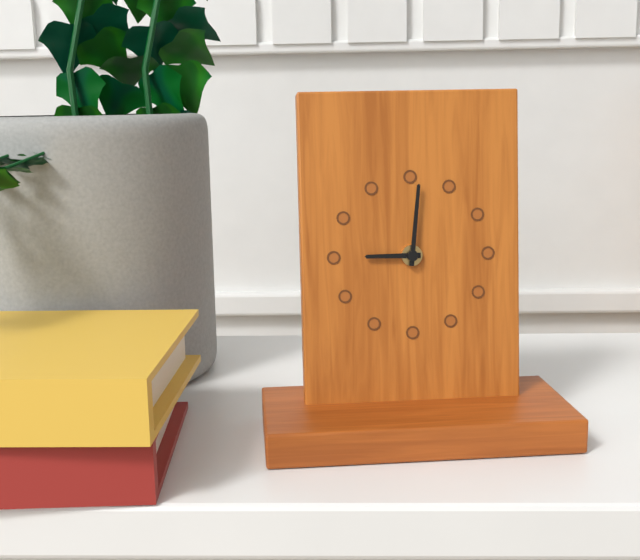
9:01
